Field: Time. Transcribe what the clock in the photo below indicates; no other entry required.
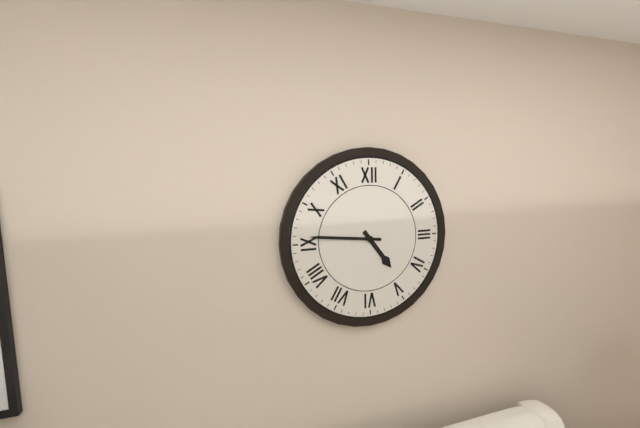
4:46
